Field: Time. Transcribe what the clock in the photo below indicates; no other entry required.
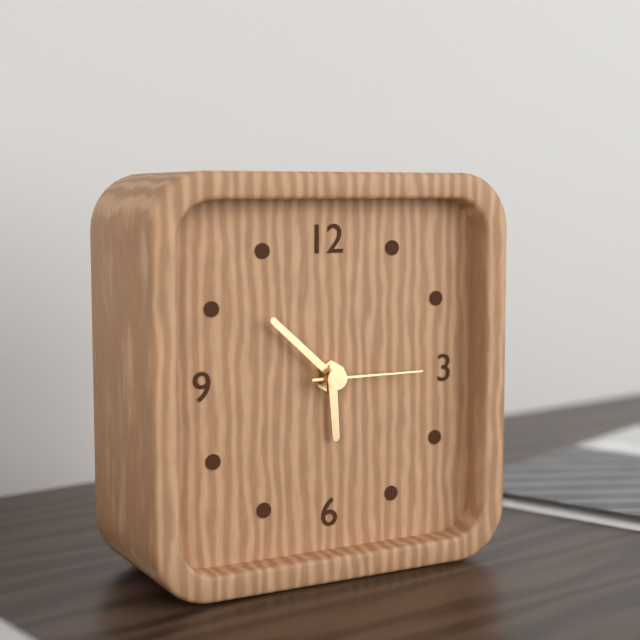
5:52:15
